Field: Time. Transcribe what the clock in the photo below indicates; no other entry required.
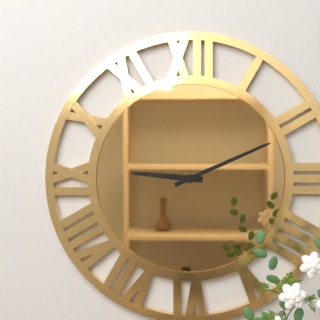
9:11
